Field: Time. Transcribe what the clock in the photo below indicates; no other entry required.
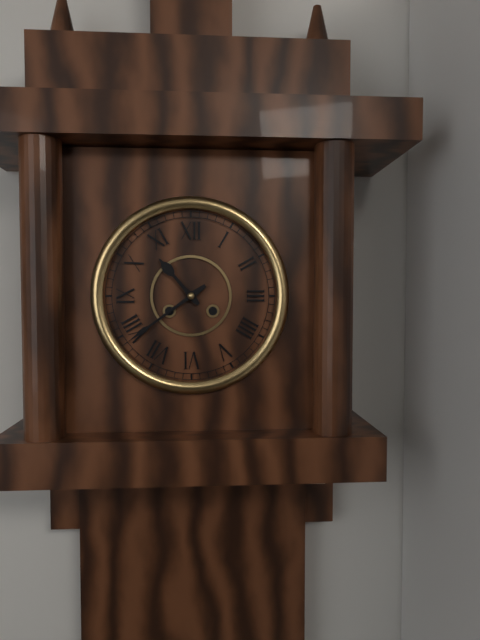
10:39
